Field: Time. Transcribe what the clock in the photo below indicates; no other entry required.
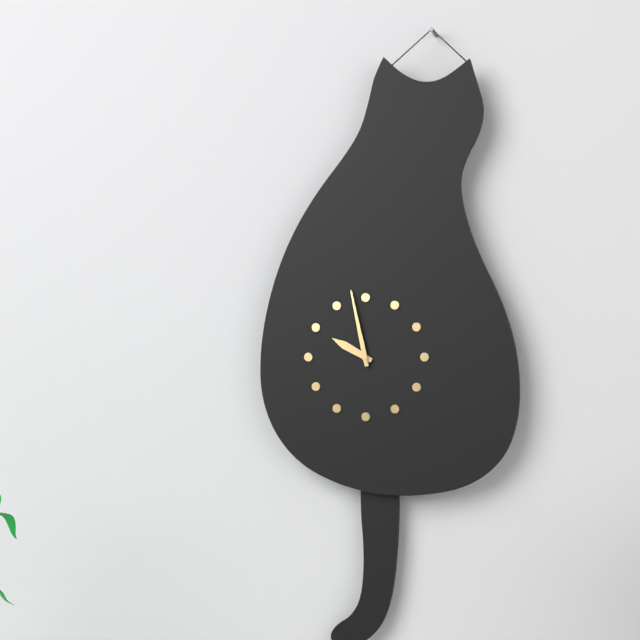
9:58
